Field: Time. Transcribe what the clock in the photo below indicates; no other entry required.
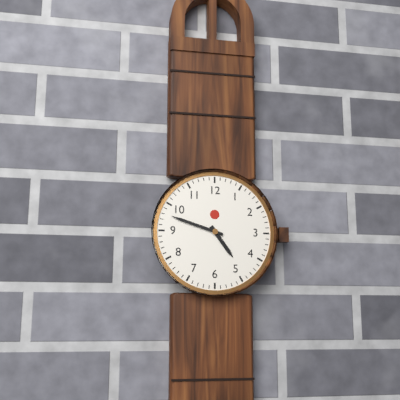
4:48
